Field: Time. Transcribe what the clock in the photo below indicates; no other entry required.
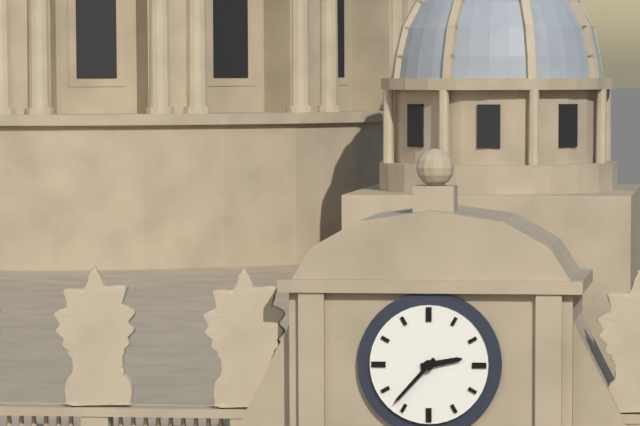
2:37
